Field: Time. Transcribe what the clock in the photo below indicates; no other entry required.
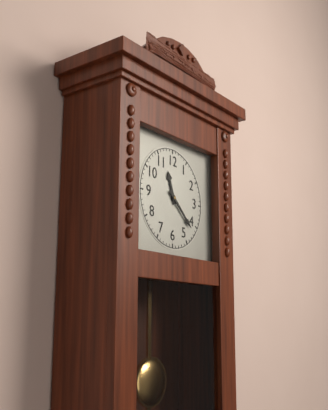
11:22
